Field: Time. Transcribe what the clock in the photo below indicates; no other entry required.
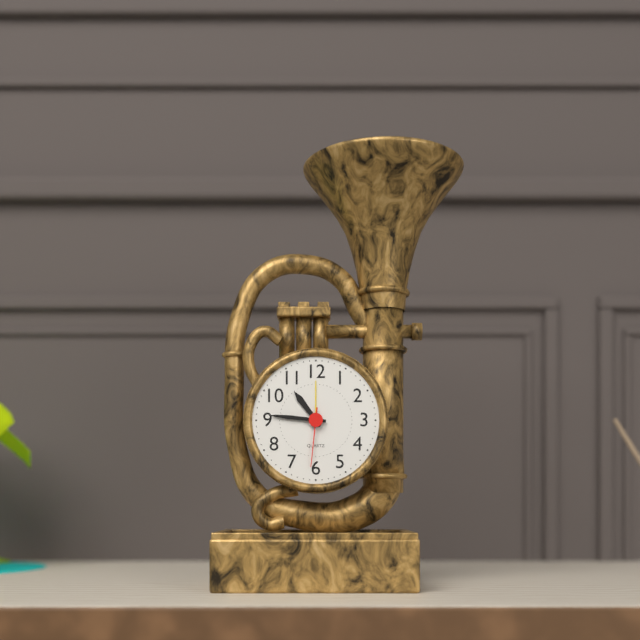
10:46:31
